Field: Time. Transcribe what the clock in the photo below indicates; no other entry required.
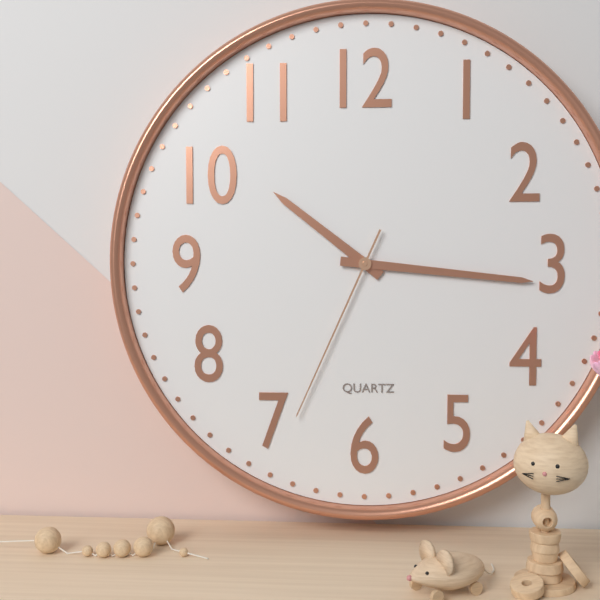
10:16:34
